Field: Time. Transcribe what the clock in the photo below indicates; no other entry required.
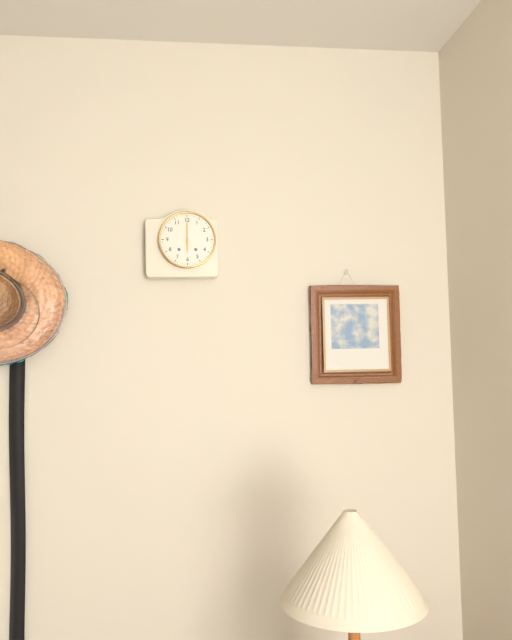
6:00
